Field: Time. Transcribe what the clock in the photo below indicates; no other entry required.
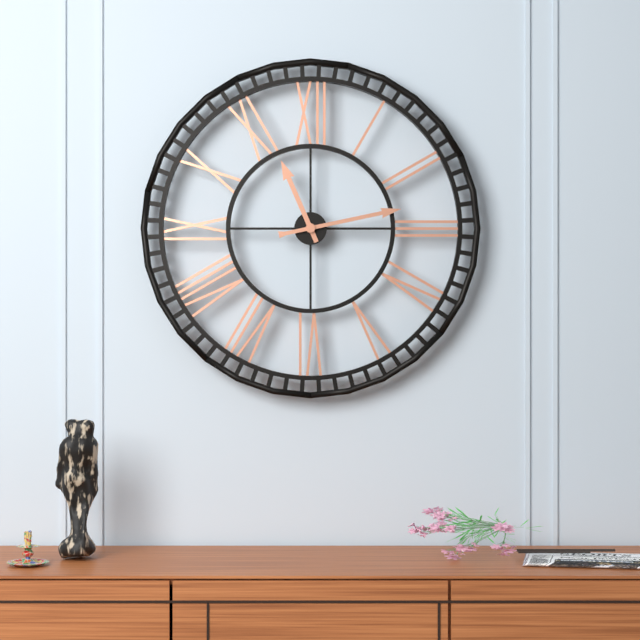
11:13
